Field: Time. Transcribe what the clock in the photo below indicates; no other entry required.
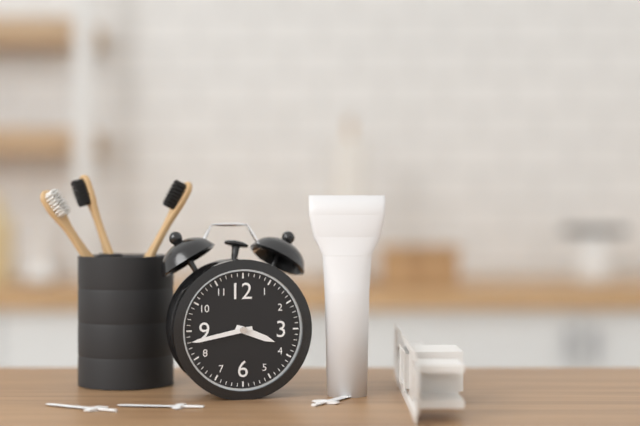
3:43
